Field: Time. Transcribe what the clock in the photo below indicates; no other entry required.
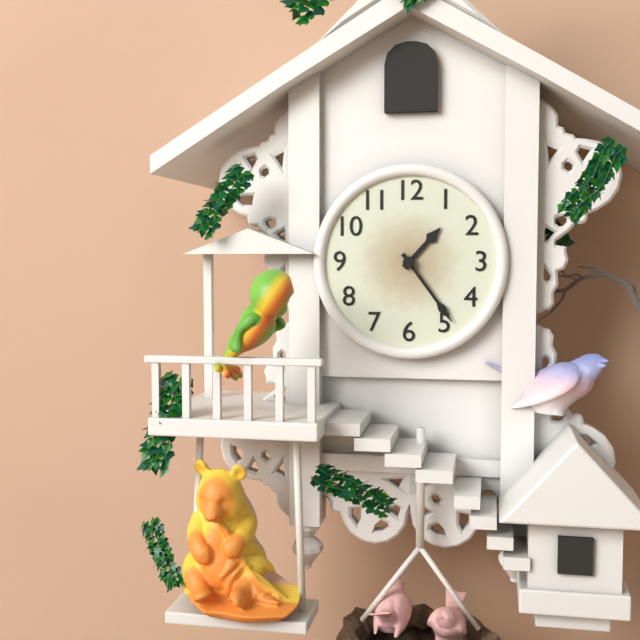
1:24
